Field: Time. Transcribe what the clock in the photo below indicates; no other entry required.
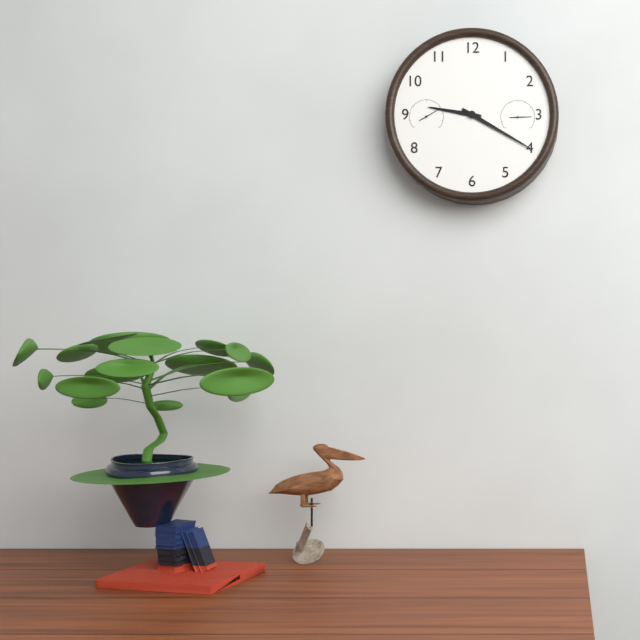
9:20
